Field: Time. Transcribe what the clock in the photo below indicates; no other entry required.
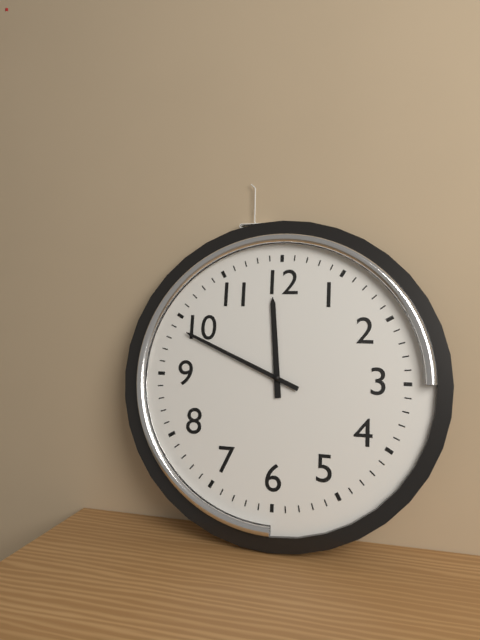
11:49
